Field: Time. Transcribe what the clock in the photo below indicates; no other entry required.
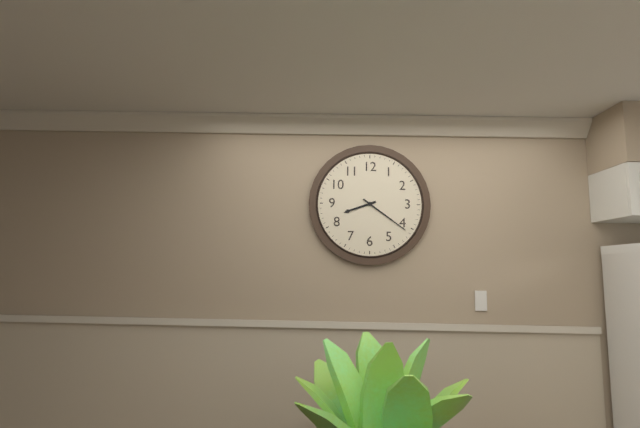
8:21
